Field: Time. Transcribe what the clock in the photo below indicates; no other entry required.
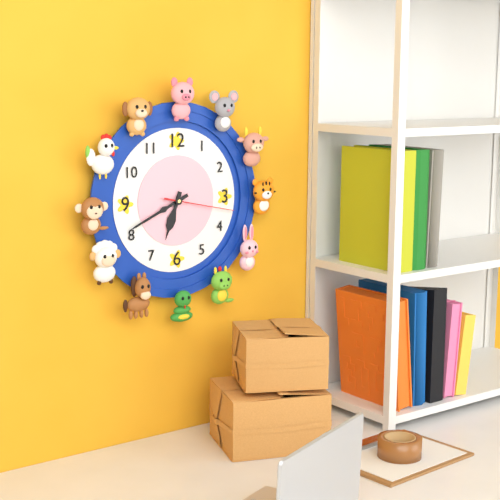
6:41:17
